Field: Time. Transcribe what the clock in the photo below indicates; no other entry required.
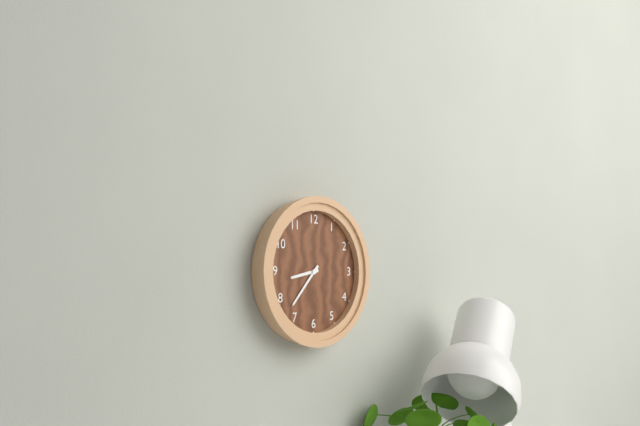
8:37
